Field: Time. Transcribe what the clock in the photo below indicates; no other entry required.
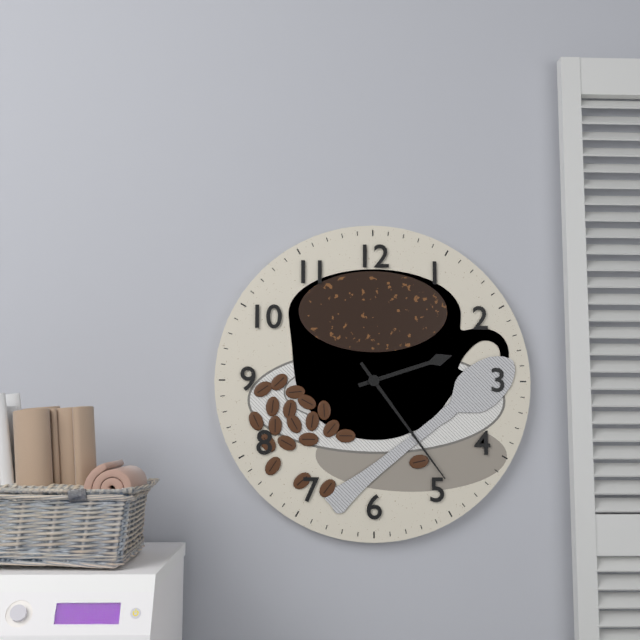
2:24
